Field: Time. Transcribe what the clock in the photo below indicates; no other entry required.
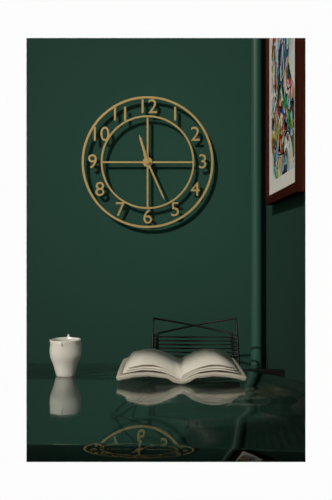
11:26
